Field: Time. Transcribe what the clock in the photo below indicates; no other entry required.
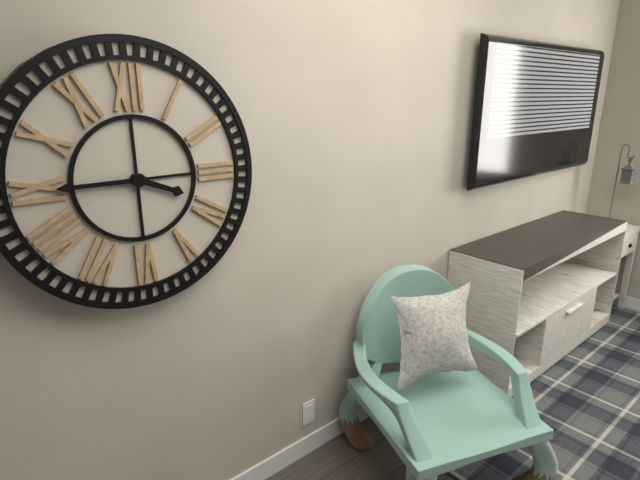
3:45
